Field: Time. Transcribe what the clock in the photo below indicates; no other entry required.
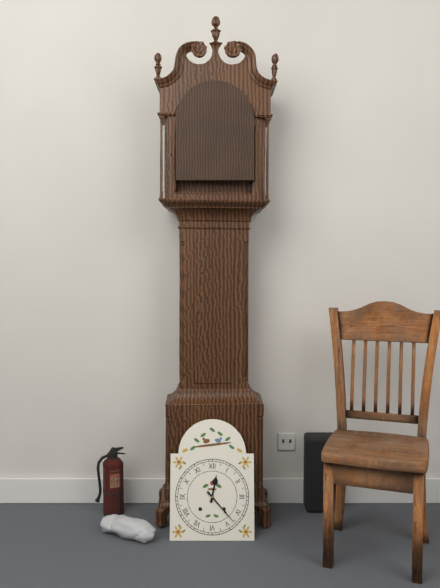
12:23
